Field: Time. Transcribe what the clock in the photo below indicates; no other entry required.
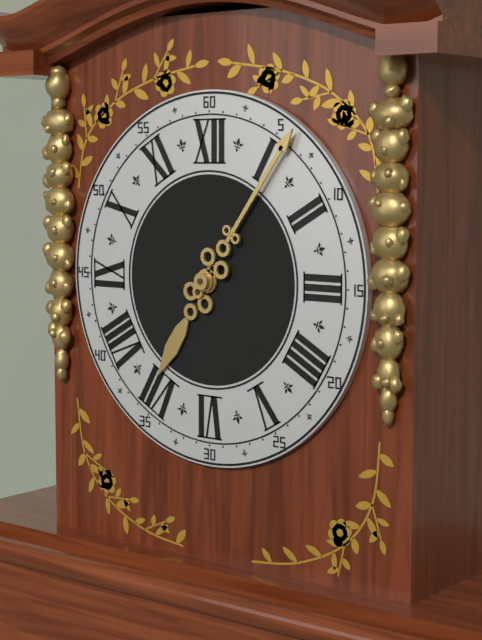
7:06
